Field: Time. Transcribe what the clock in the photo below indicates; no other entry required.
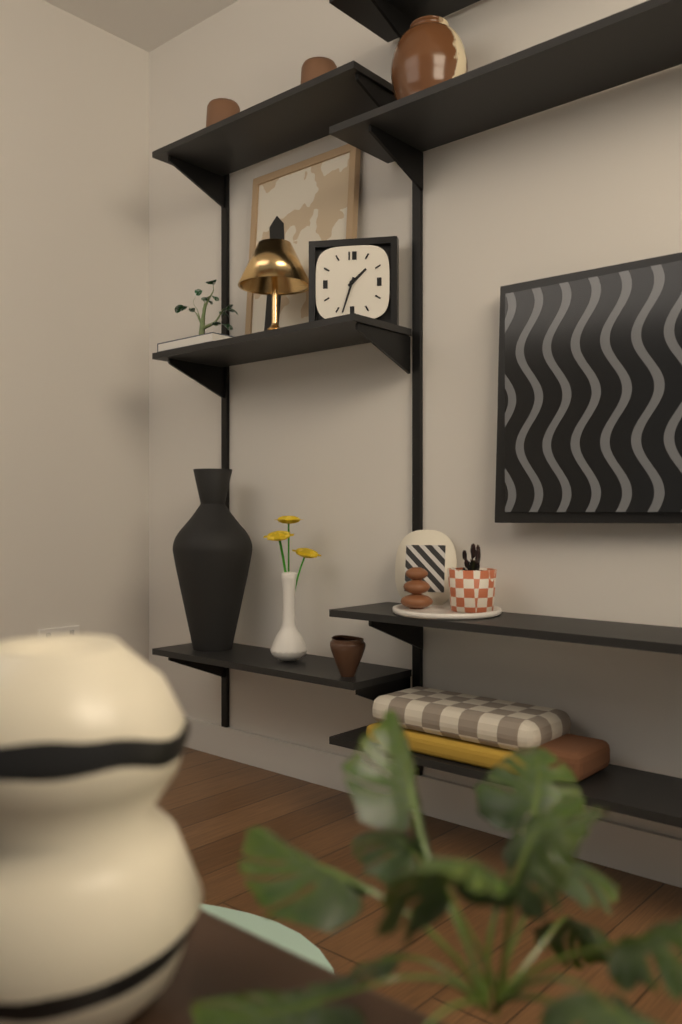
1:33
